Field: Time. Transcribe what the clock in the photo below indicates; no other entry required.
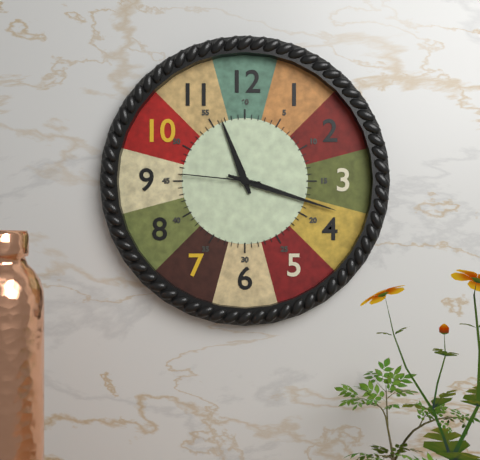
11:18:46
